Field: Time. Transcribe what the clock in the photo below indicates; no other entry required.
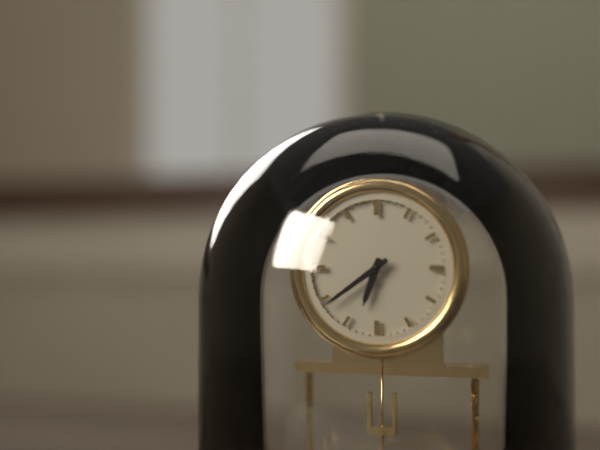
6:39
